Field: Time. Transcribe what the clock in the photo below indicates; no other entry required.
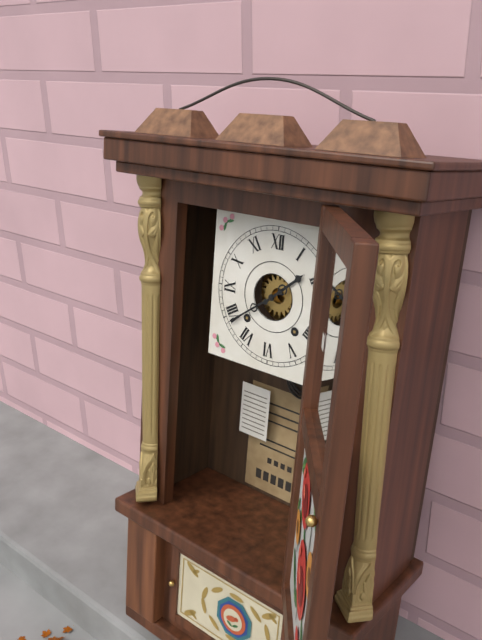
1:39
